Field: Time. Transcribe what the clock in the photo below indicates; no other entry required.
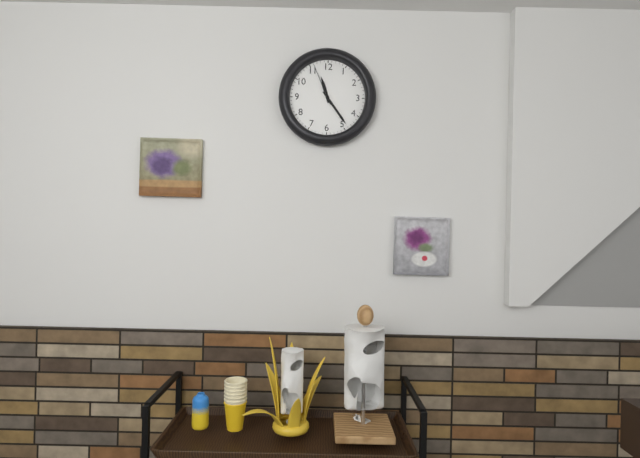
11:24
